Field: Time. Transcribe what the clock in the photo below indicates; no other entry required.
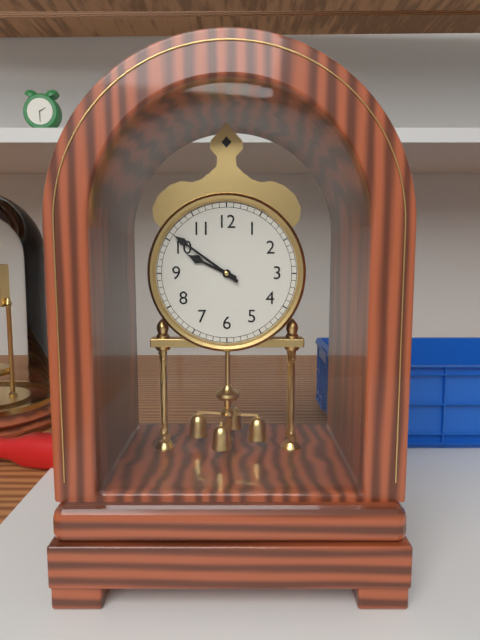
9:51
